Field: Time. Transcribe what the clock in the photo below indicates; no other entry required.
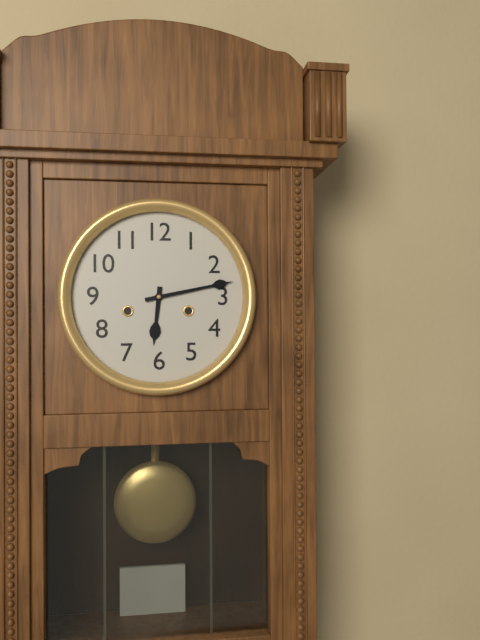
6:13
